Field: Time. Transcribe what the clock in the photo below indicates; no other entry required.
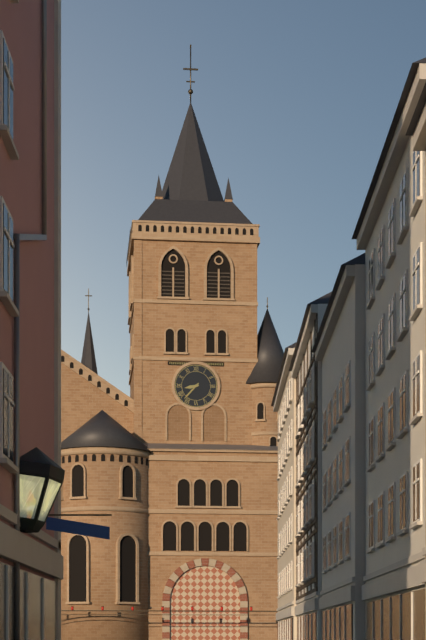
8:37
